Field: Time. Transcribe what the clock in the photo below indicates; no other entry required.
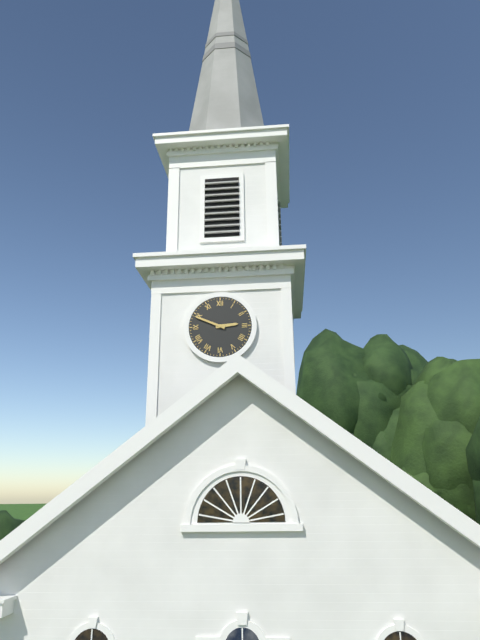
2:49
